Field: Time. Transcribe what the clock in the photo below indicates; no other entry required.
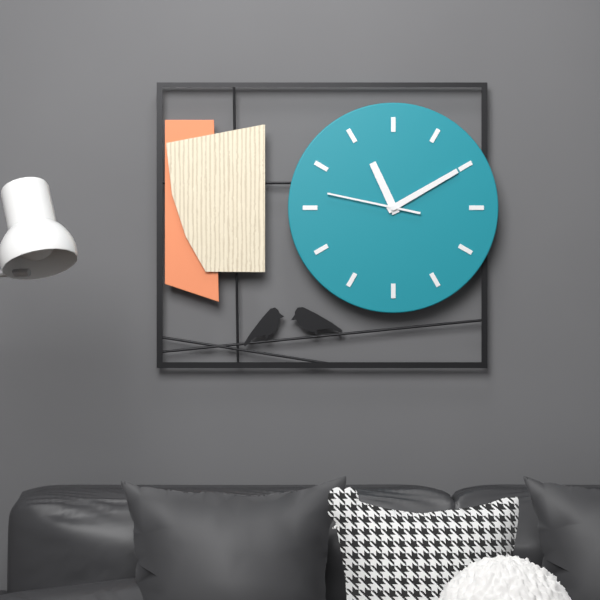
11:10:47
